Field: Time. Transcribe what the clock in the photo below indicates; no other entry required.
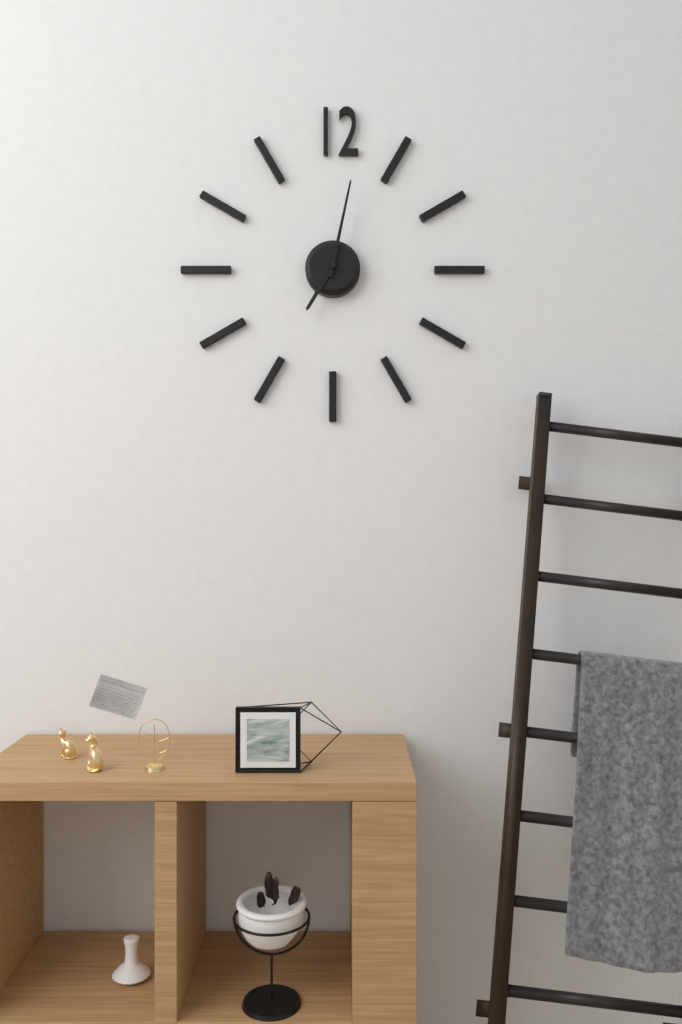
7:02
